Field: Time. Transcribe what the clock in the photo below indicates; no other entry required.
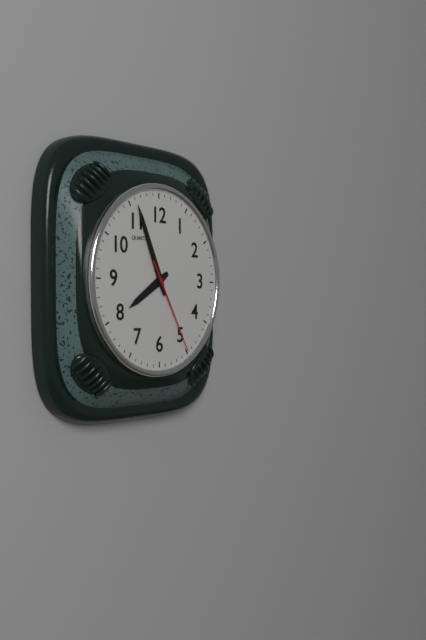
7:56:25
